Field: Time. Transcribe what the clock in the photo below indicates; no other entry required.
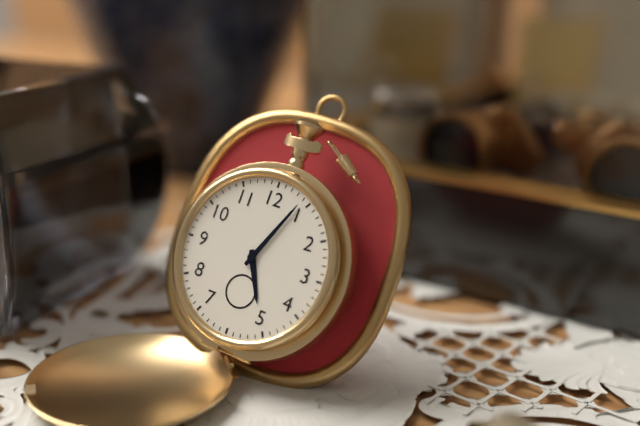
5:04
